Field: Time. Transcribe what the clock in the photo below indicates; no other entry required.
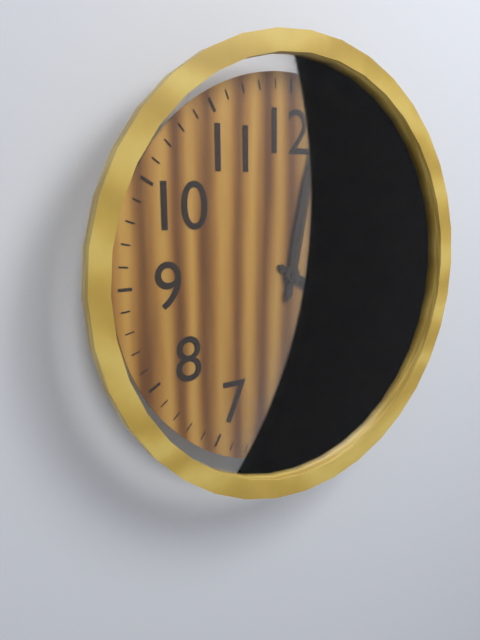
4:02
